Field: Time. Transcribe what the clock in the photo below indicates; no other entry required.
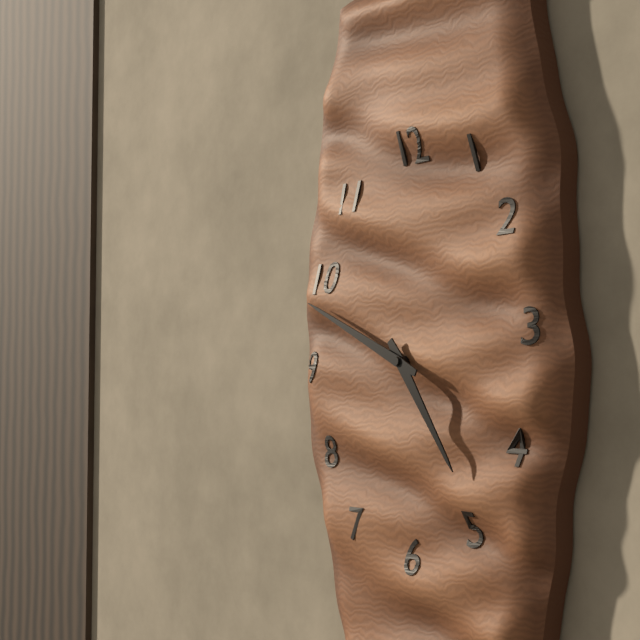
4:49
